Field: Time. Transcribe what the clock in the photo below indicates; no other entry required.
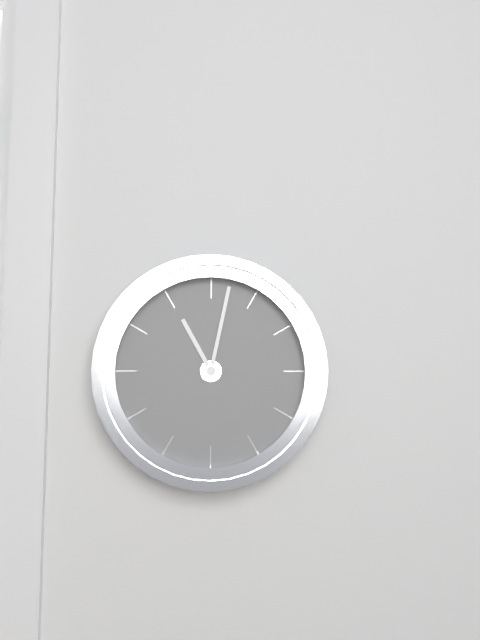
11:02
